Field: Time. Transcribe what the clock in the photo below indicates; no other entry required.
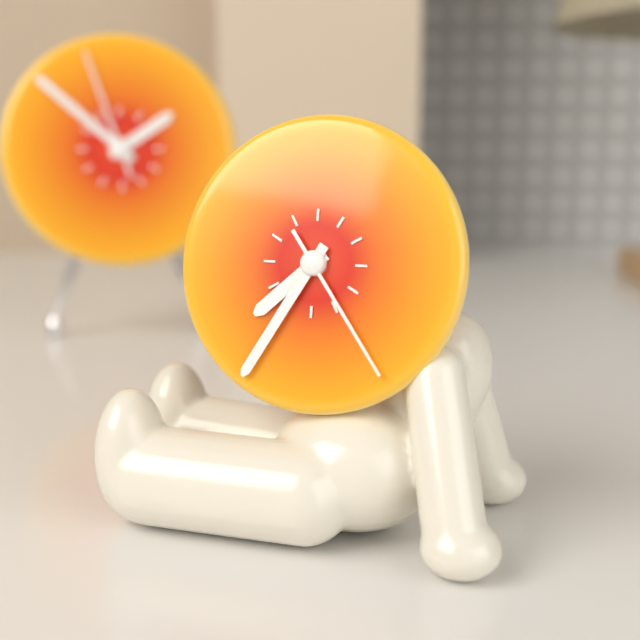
7:35:24
